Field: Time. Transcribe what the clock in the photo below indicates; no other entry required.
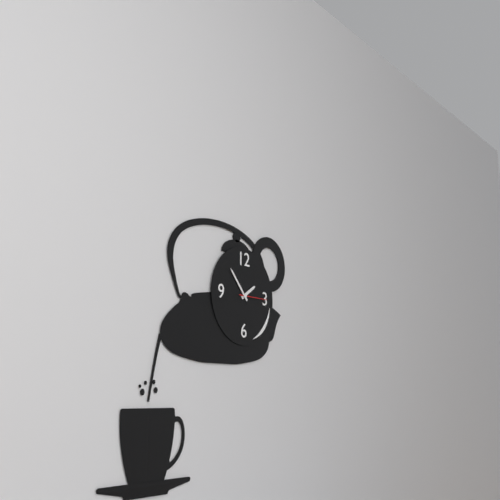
1:53
